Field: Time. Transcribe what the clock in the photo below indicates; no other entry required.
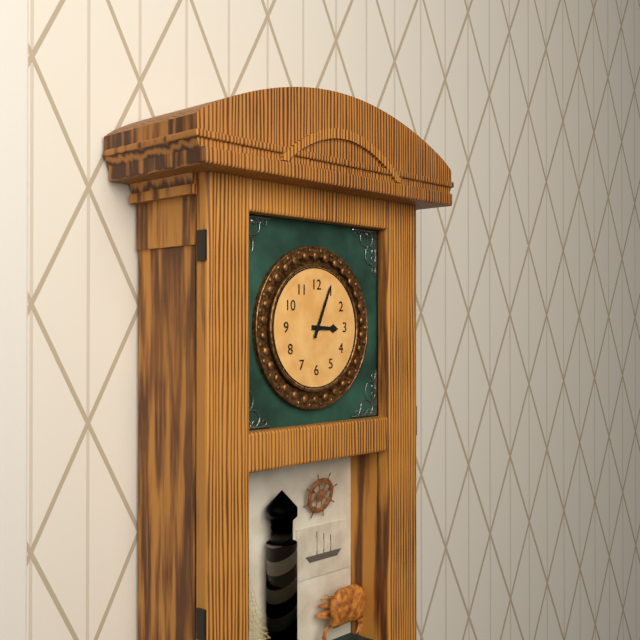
3:04
